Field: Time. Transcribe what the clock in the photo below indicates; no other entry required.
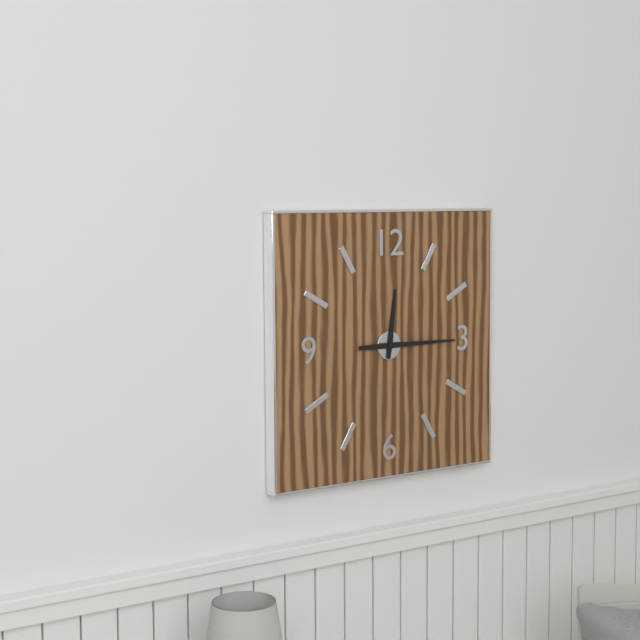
12:15
